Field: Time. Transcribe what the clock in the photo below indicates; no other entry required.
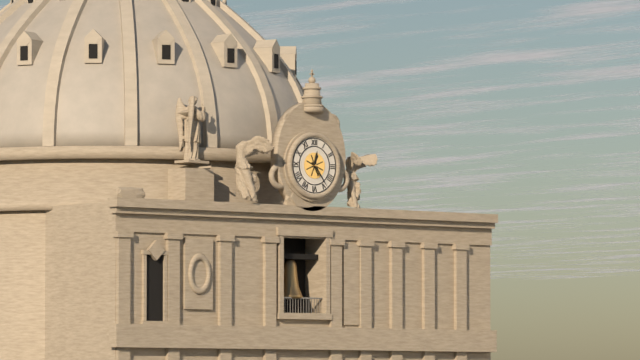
12:24
